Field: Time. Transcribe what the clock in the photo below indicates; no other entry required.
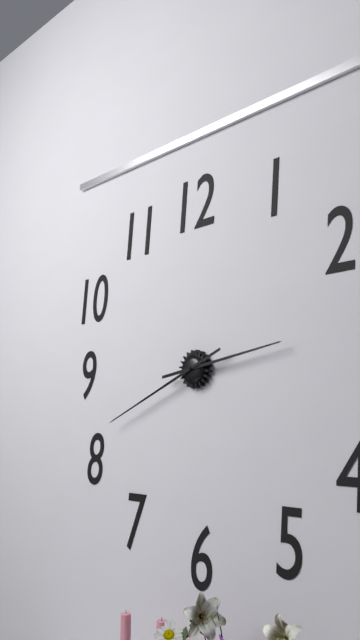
2:41
